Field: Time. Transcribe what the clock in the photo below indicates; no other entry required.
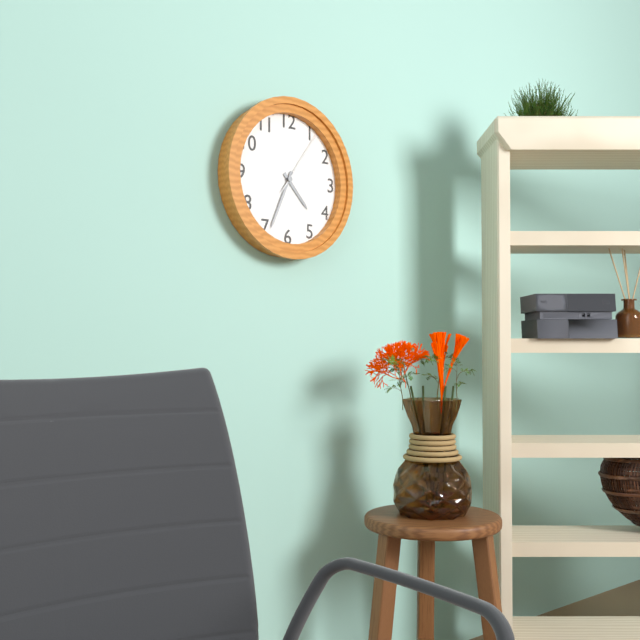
4:34:06
